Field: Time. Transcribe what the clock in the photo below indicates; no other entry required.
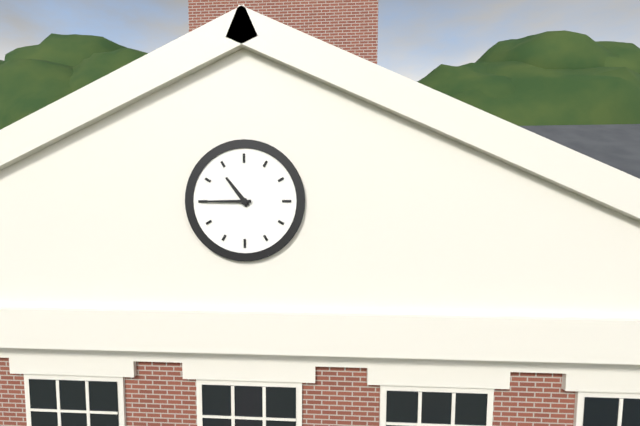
10:45
